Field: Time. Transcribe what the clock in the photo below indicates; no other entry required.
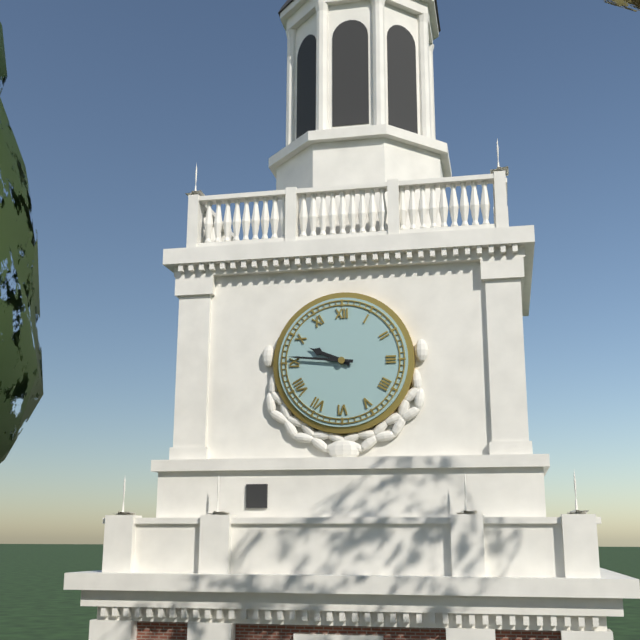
9:46
